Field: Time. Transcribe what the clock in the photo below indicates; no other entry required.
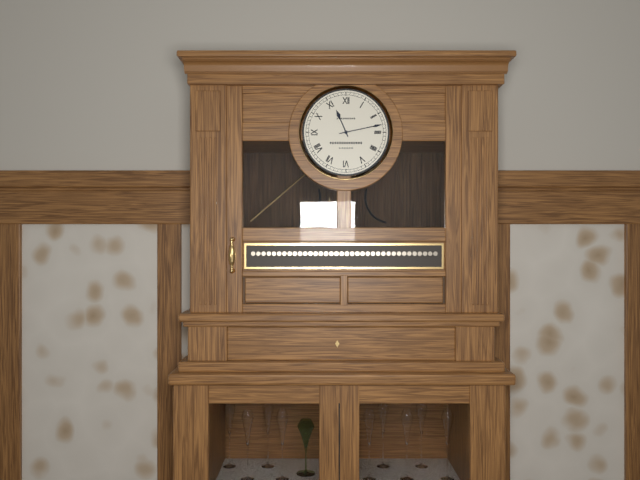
11:13
